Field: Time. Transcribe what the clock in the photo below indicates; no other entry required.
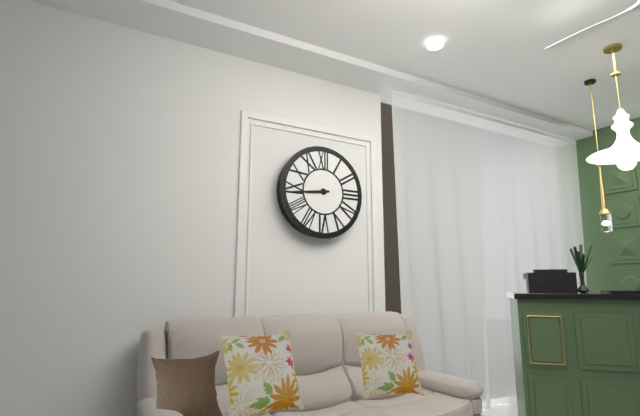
8:44
